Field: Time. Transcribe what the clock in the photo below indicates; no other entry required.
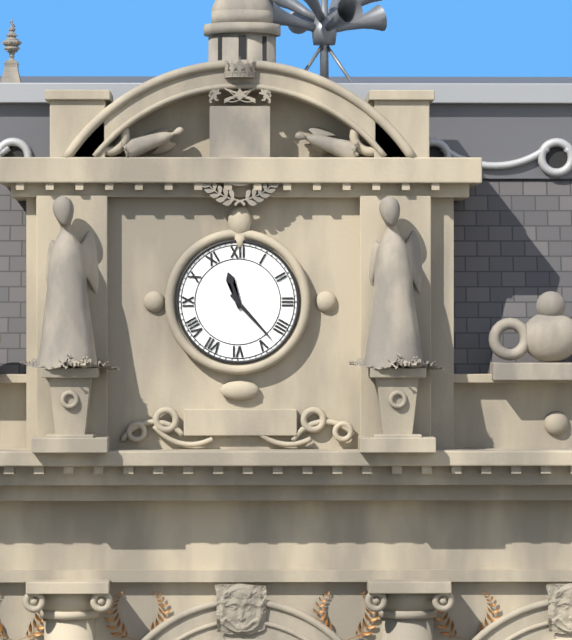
11:23
